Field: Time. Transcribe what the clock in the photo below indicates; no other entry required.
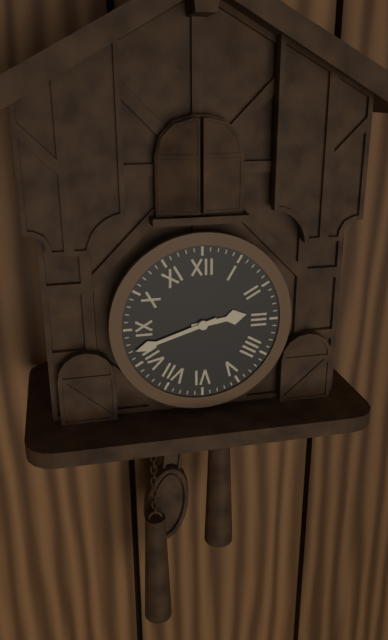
2:42
